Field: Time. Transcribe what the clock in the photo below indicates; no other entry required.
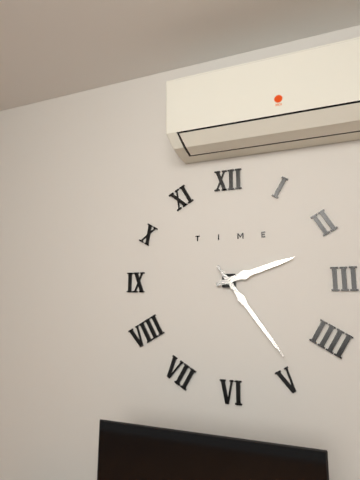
2:24
